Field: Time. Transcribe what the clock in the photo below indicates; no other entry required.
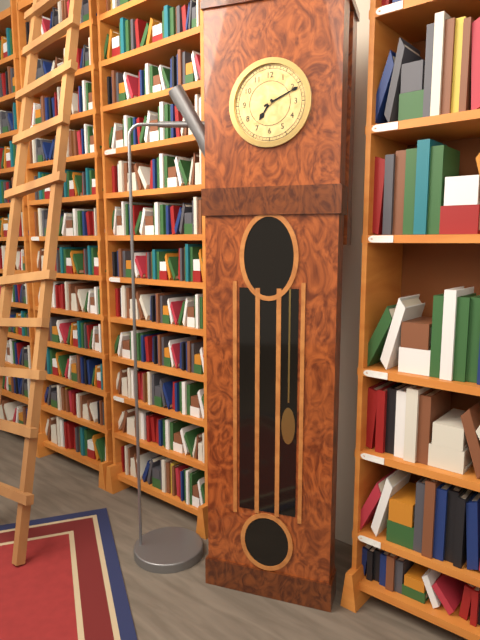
7:11
